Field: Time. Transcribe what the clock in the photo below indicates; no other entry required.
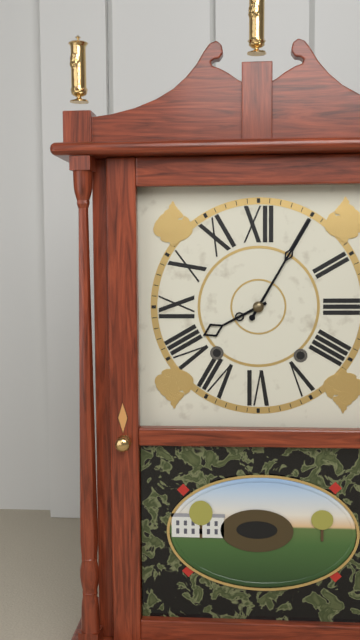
8:05
